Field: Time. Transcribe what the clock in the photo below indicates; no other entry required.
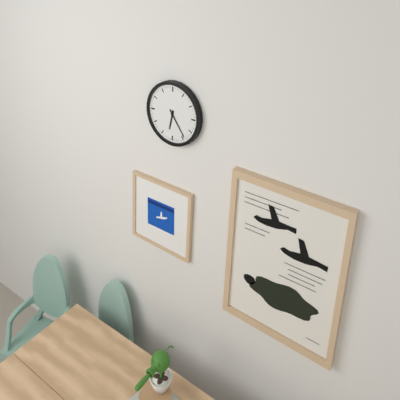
6:24
